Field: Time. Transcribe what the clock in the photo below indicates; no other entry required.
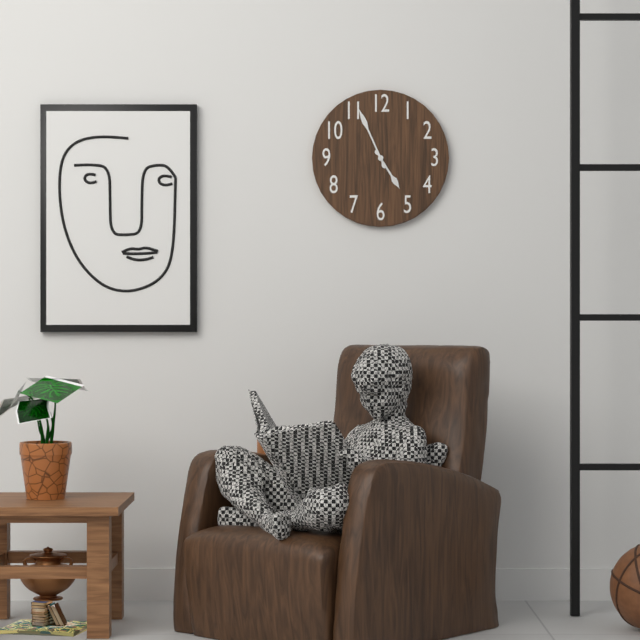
4:56
